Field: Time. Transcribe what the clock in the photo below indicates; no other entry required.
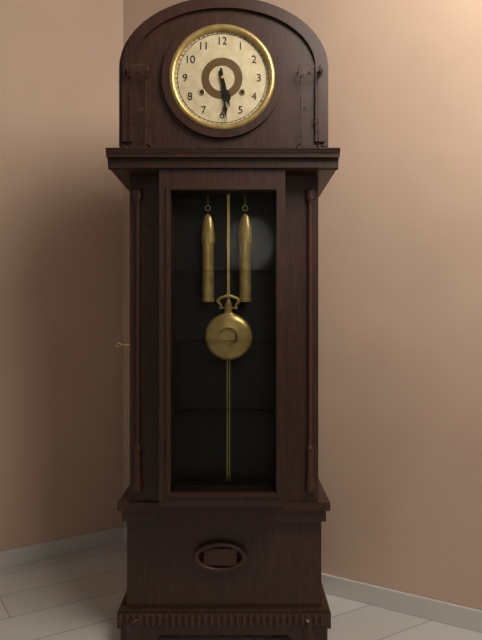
5:29
